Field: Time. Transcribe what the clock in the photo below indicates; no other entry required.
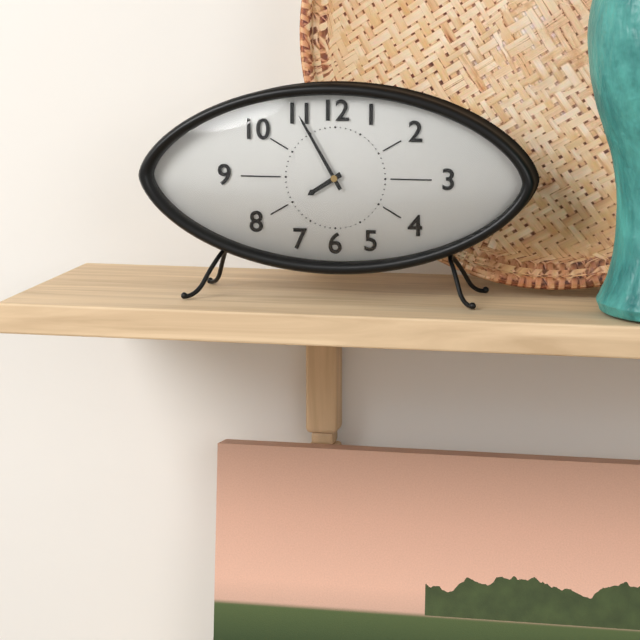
7:55
